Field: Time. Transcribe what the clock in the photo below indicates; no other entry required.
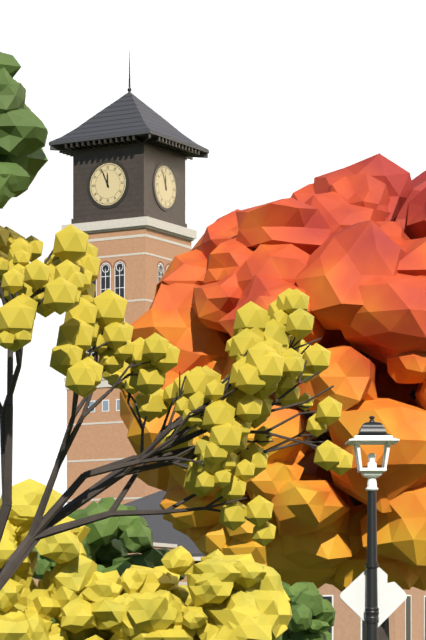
11:56
